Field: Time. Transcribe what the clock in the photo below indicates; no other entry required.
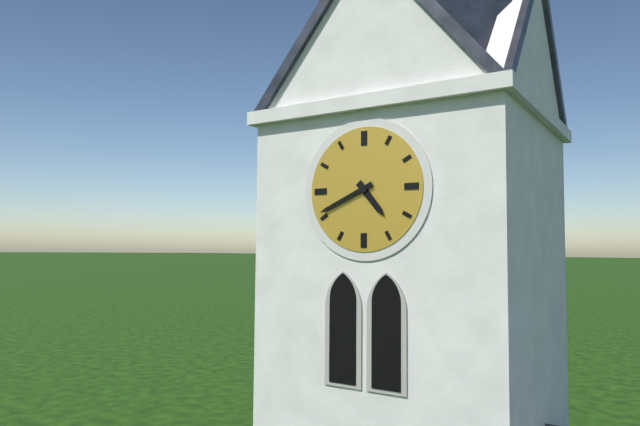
4:41
